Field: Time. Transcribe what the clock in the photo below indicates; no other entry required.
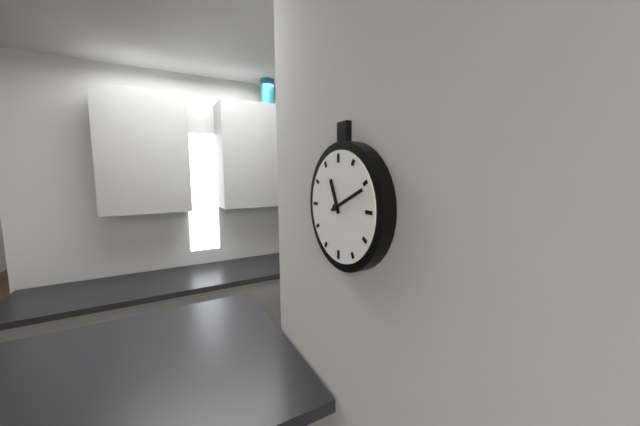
11:11
